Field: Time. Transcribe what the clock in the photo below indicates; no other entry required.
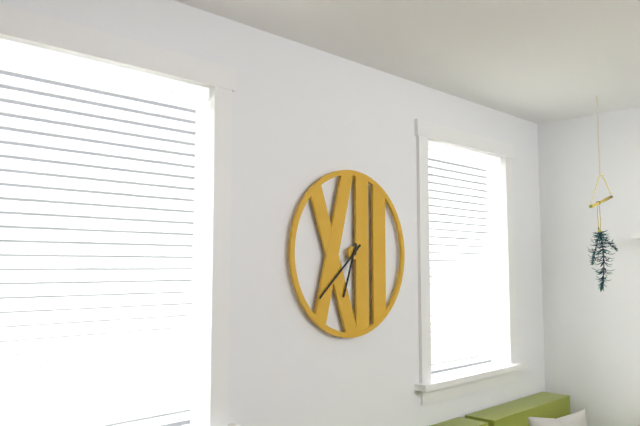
6:38
